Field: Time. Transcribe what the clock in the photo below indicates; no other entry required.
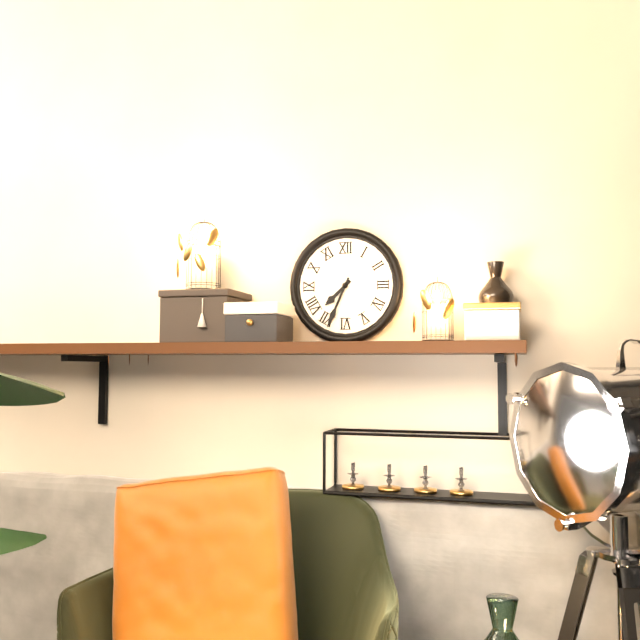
7:34
